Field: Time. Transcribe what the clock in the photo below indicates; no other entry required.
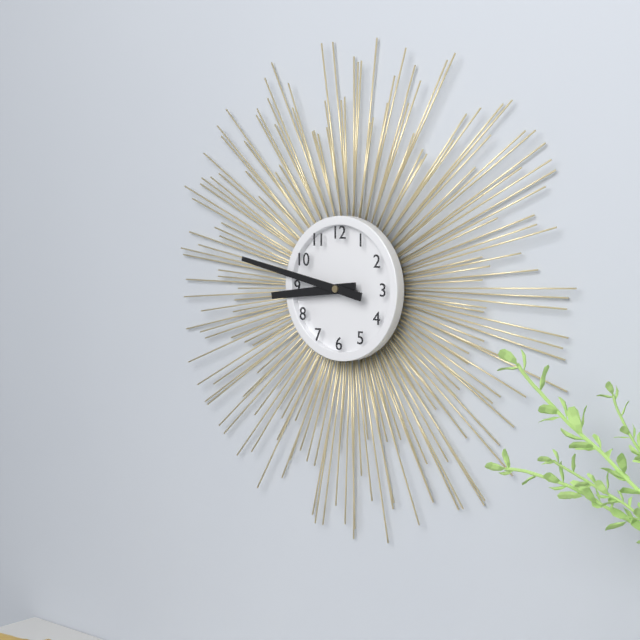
8:47
